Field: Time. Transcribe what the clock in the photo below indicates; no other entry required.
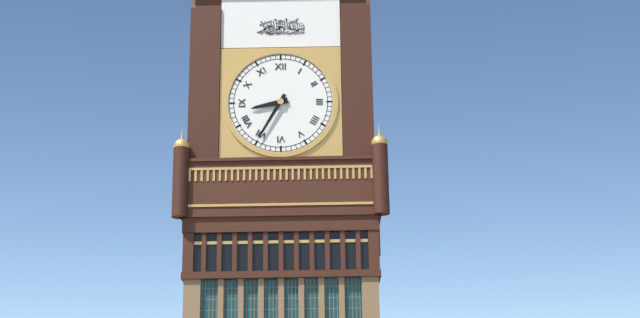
8:35
